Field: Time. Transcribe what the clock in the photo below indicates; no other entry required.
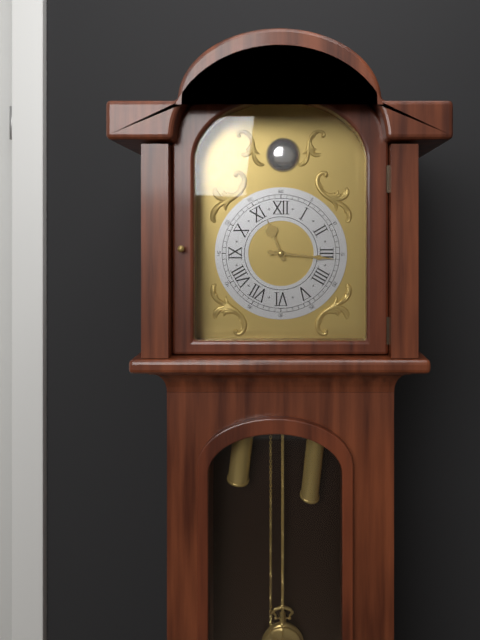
11:16
